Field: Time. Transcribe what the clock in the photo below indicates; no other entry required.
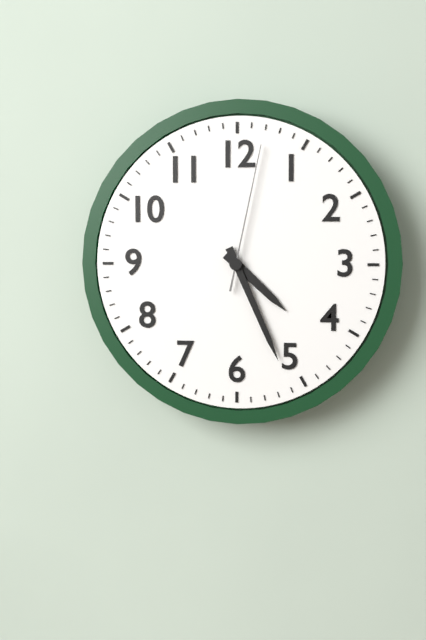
4:26:02
